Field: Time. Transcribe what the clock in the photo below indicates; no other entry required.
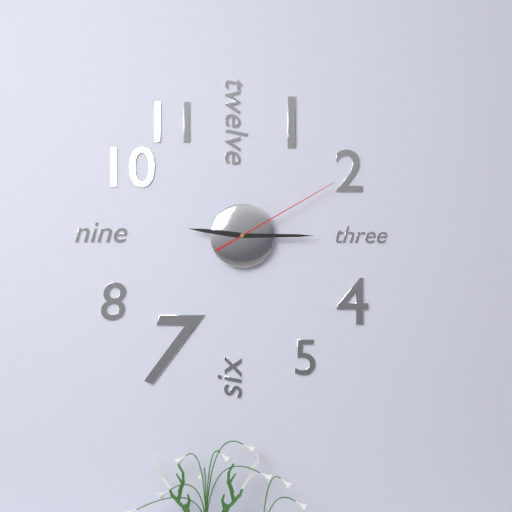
9:15:10
